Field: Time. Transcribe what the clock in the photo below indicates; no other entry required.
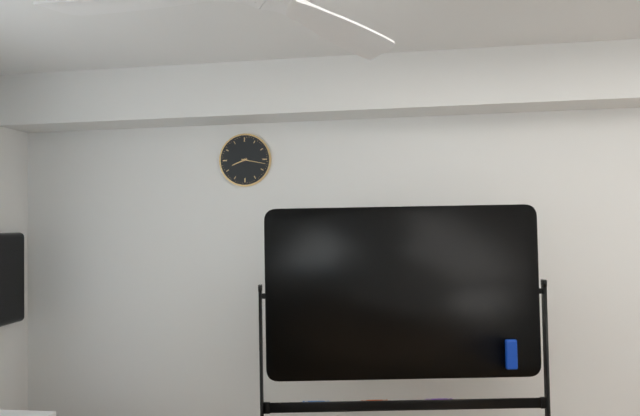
8:17
